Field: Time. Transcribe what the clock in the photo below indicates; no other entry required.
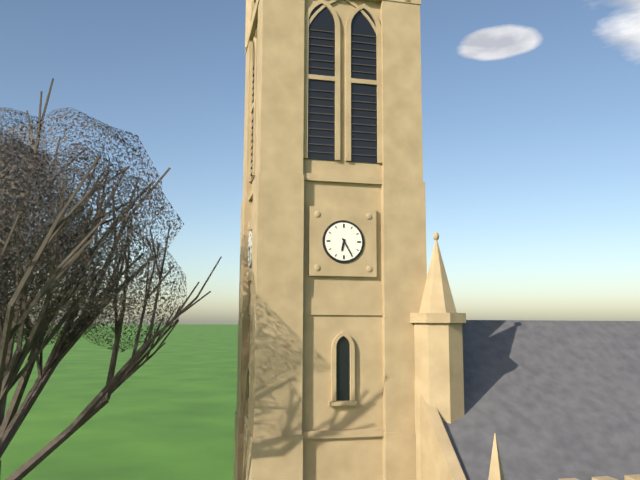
6:25
